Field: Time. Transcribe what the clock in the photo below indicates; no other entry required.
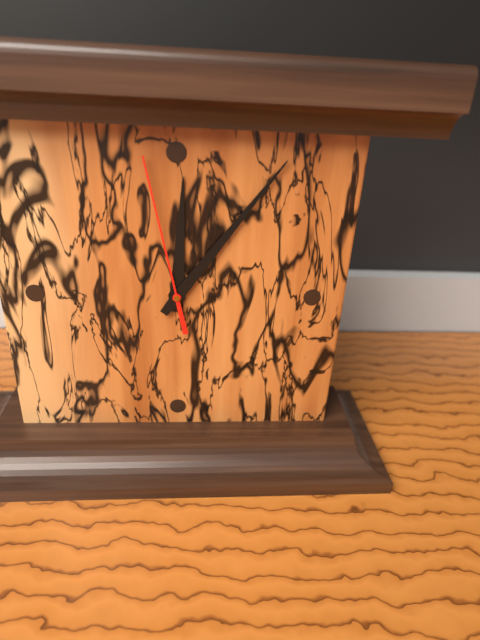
12:06:58
